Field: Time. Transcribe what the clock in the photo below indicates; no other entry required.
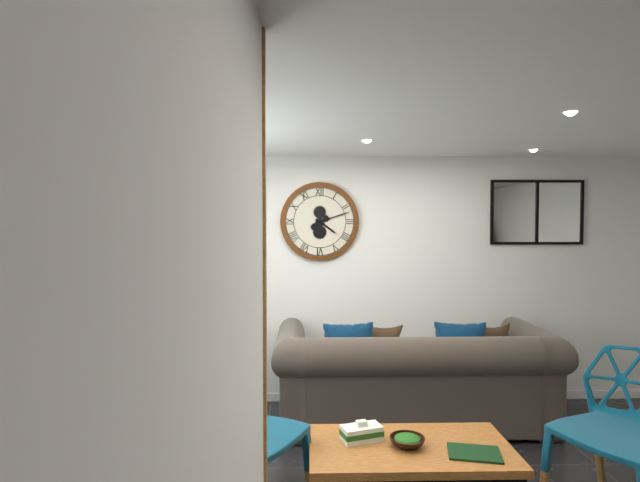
4:12
